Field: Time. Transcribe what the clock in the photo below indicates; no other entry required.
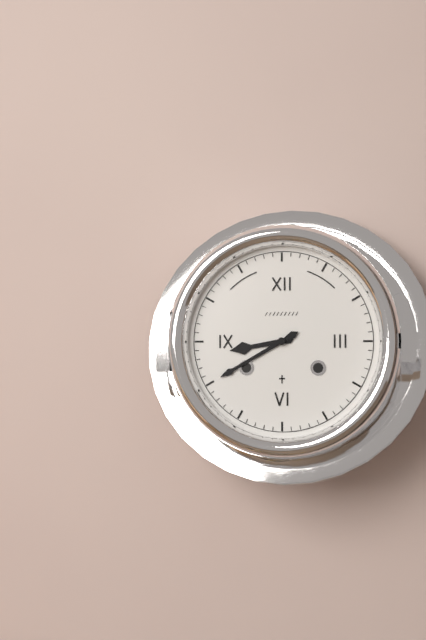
8:40
